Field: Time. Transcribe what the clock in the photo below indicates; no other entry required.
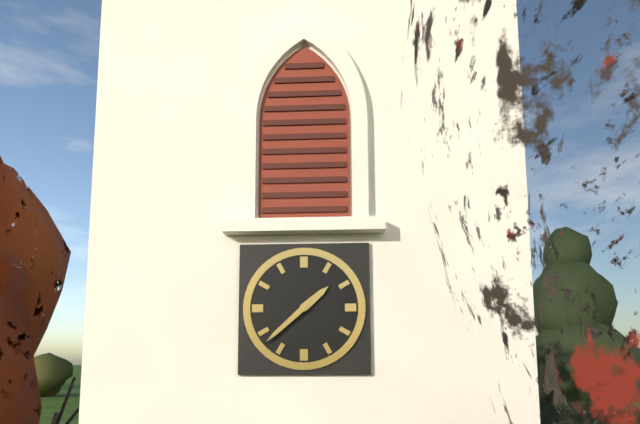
1:38
